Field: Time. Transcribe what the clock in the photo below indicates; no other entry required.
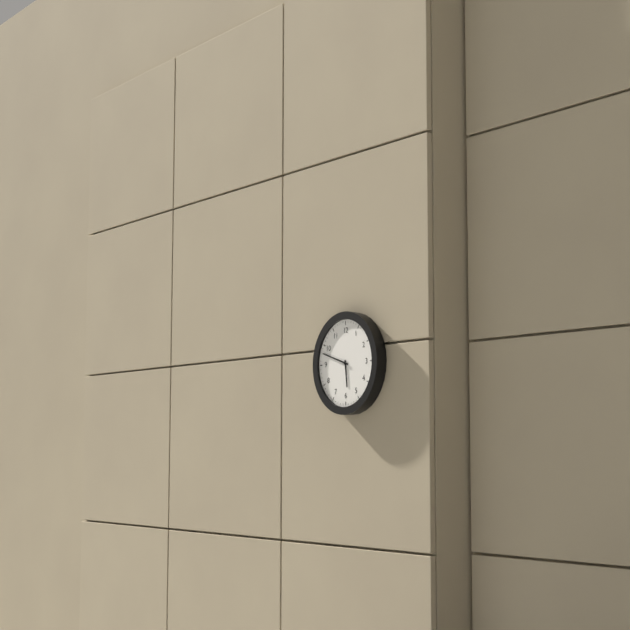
5:48
